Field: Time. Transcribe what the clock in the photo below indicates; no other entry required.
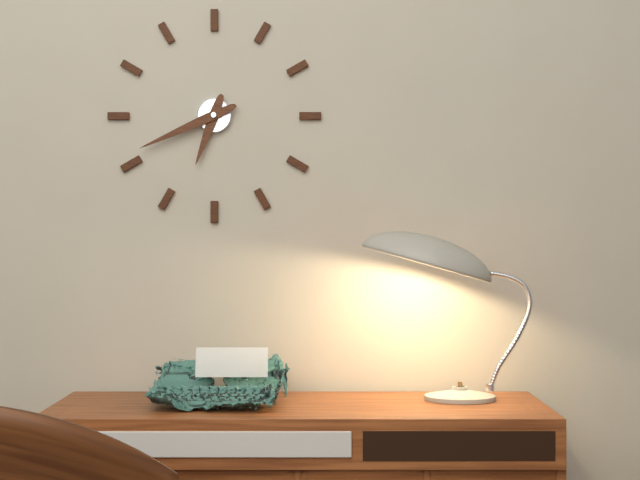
6:41
